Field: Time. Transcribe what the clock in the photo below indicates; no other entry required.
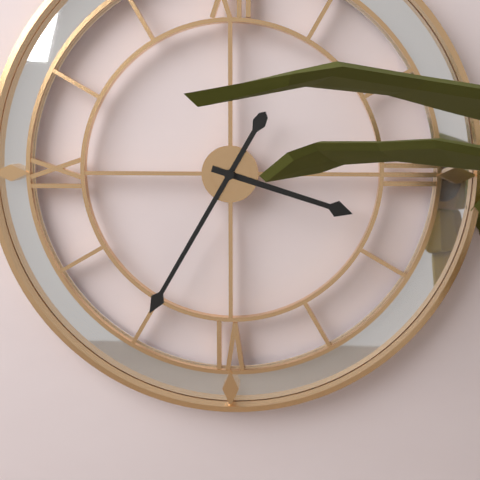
3:35
